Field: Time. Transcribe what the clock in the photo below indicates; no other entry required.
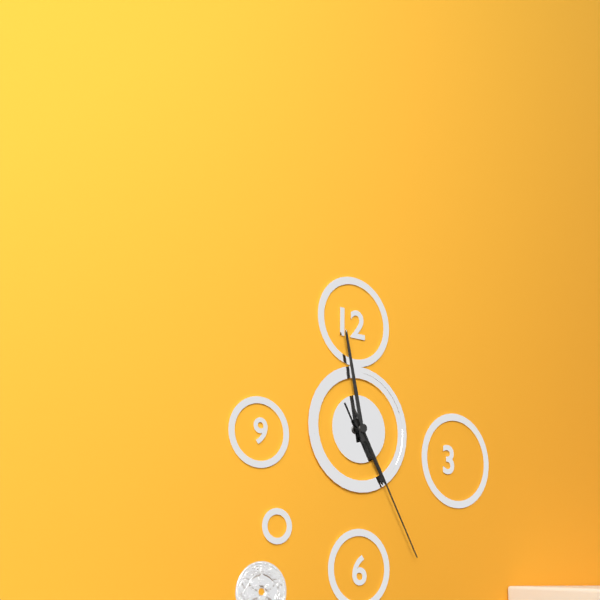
4:58:25
